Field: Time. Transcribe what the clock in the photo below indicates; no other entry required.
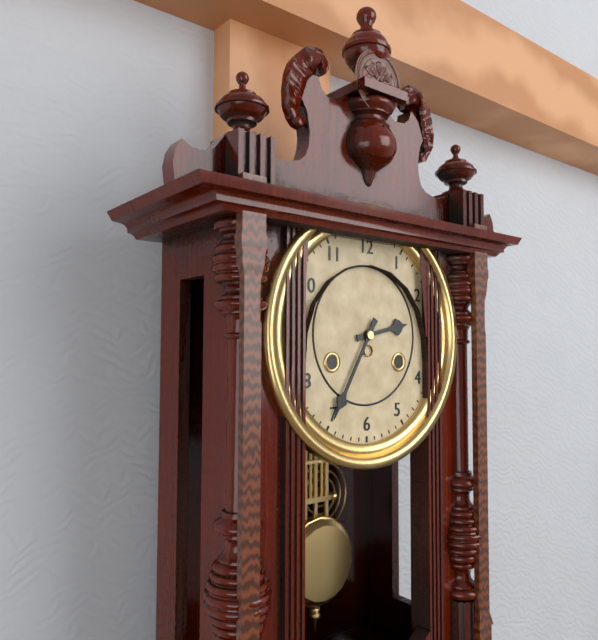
2:35
